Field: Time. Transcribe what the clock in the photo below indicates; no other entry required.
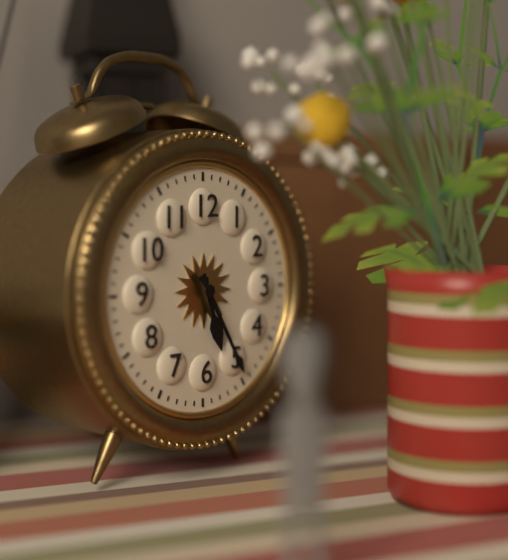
5:25
